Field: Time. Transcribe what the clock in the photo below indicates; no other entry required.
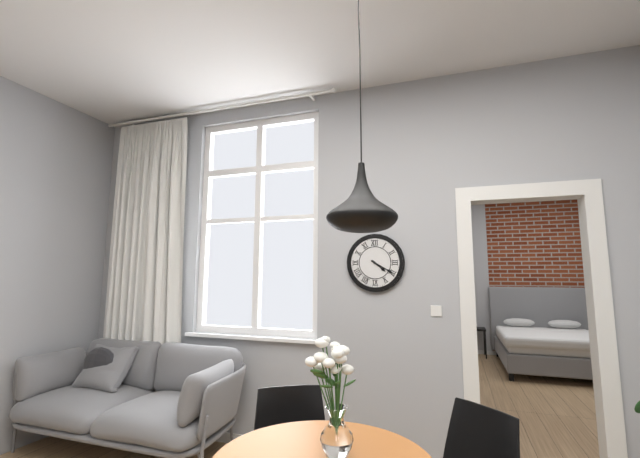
4:20
